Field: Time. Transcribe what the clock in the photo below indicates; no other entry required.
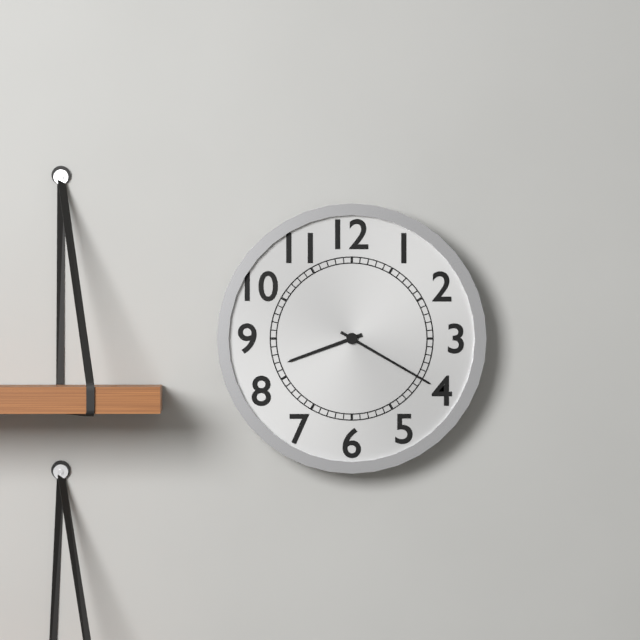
8:20
